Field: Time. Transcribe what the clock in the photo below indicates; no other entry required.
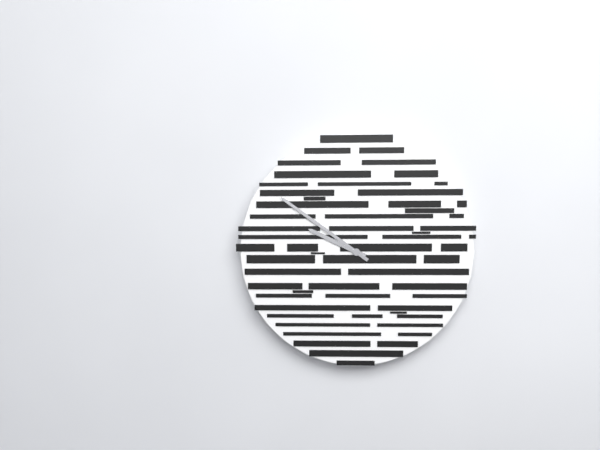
9:51
